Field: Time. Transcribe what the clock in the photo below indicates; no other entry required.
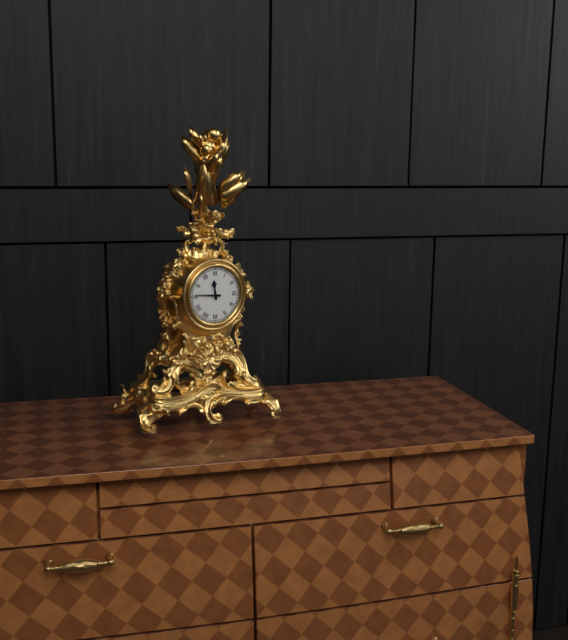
11:46
